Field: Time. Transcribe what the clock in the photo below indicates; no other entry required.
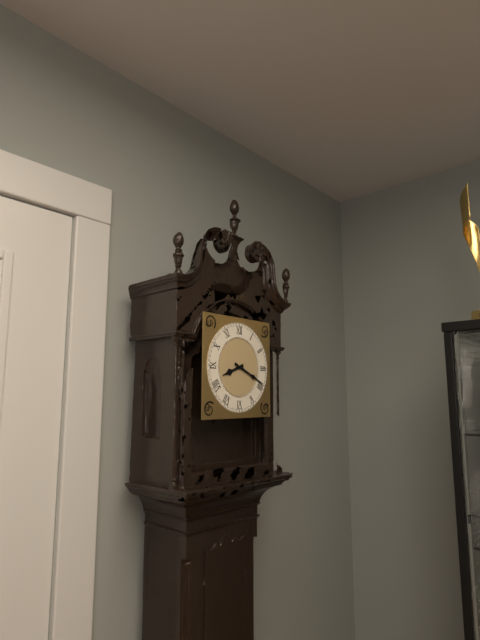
8:19
